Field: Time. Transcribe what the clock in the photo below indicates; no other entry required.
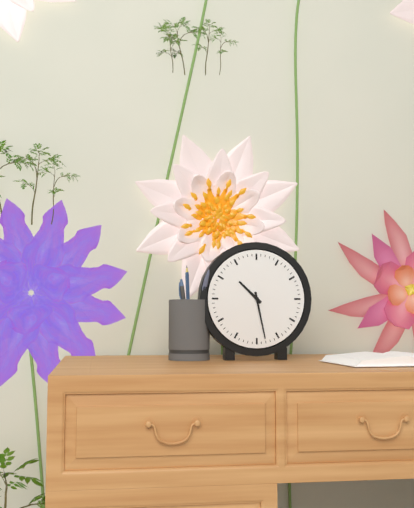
10:28
